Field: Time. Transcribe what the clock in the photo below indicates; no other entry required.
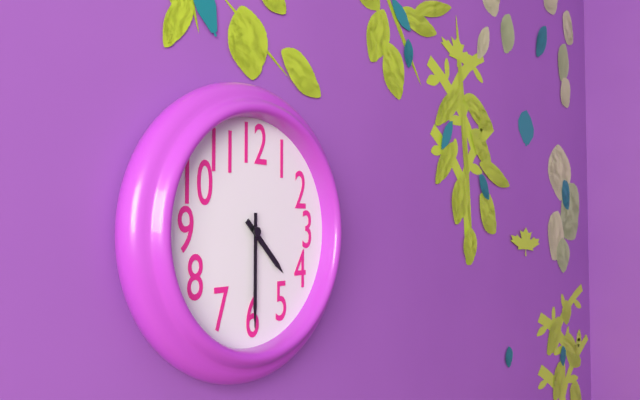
4:30
